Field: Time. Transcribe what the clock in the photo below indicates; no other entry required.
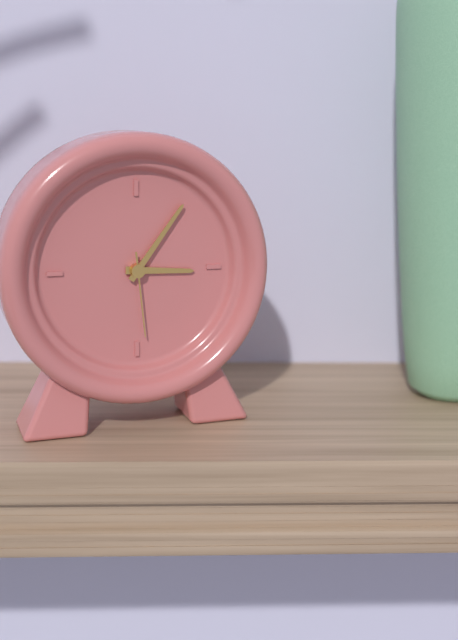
3:06:29
